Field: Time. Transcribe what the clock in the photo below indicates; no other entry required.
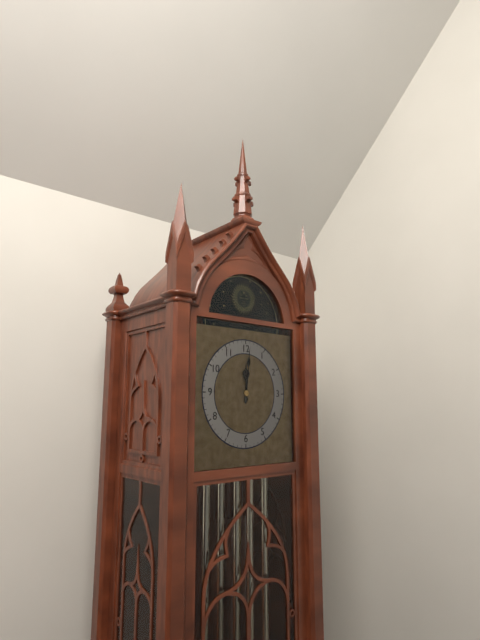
12:01
